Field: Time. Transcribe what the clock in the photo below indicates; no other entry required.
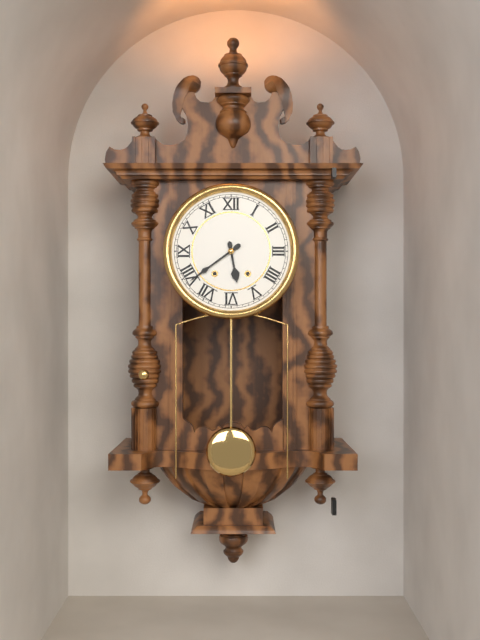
5:39
